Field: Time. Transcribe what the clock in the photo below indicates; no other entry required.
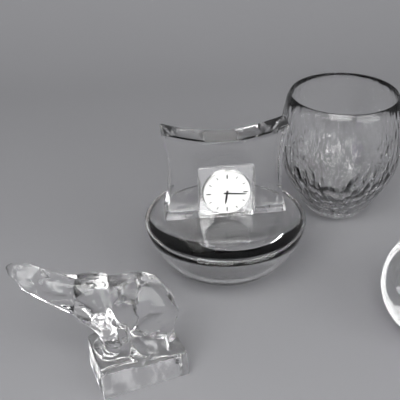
6:16
